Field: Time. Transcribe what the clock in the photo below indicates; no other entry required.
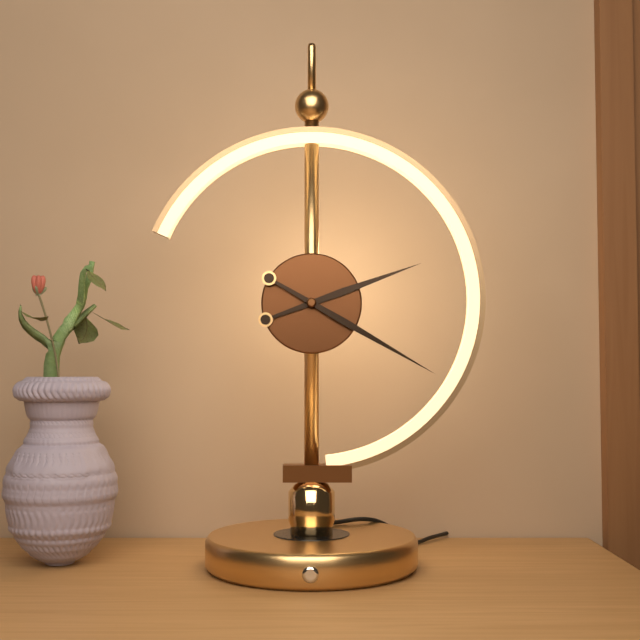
2:20
